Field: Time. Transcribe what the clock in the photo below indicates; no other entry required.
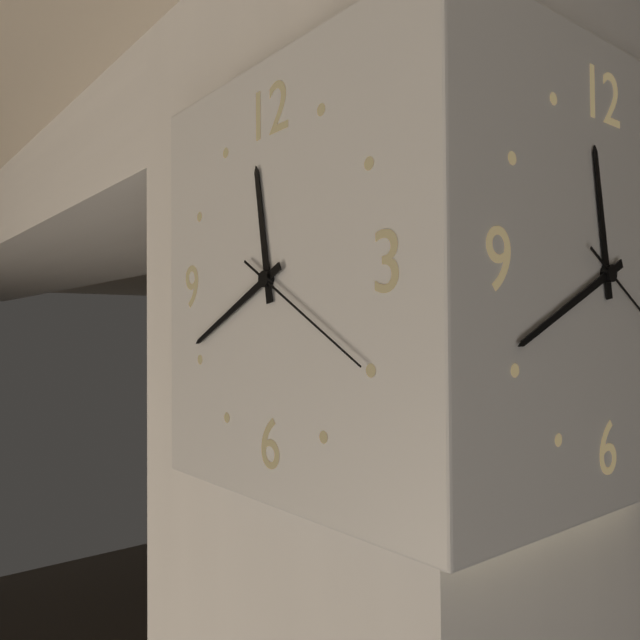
11:41:20
